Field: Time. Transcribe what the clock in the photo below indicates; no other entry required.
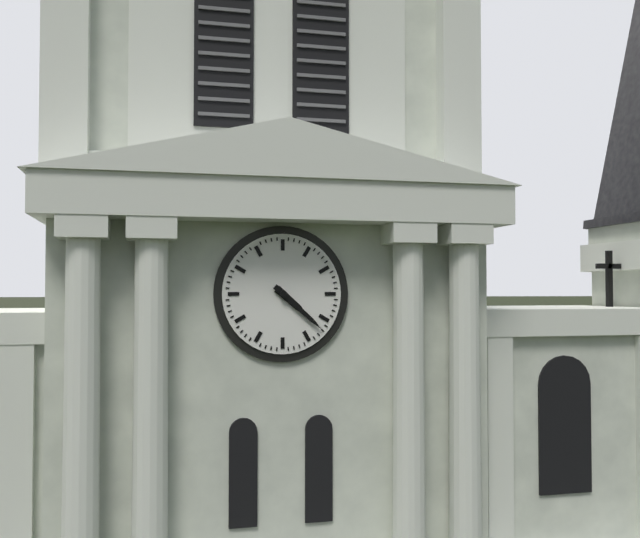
4:22
